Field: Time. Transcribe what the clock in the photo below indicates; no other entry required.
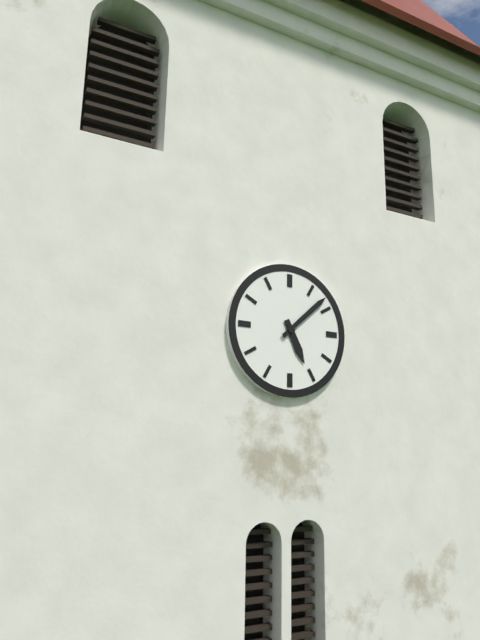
5:08
